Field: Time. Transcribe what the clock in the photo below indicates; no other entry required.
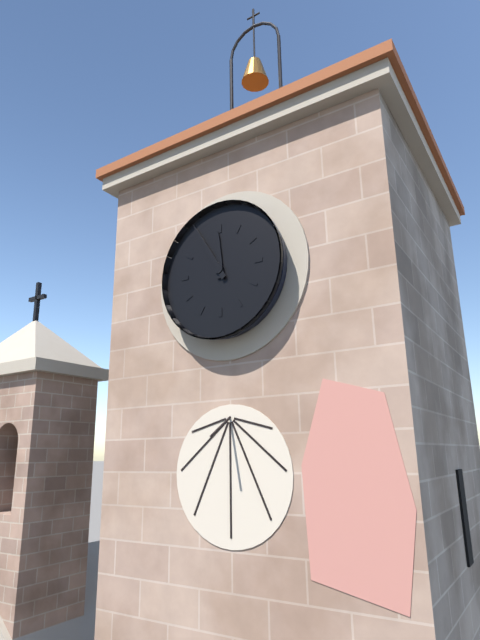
11:55
